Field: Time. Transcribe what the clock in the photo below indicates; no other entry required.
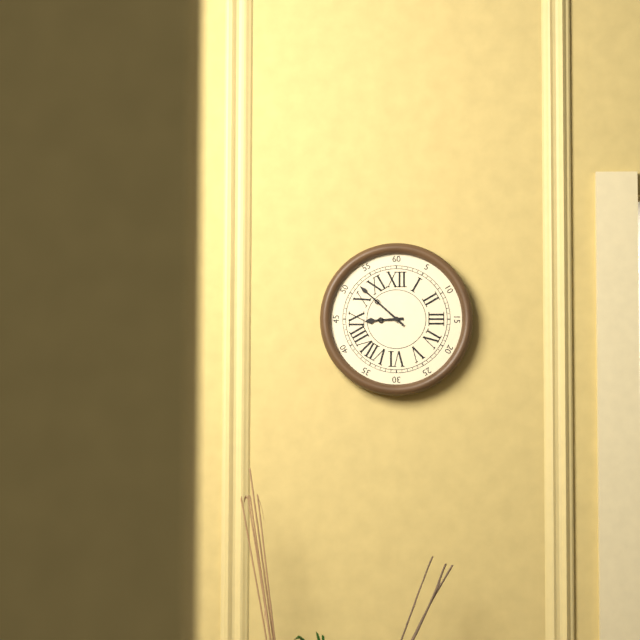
8:52
